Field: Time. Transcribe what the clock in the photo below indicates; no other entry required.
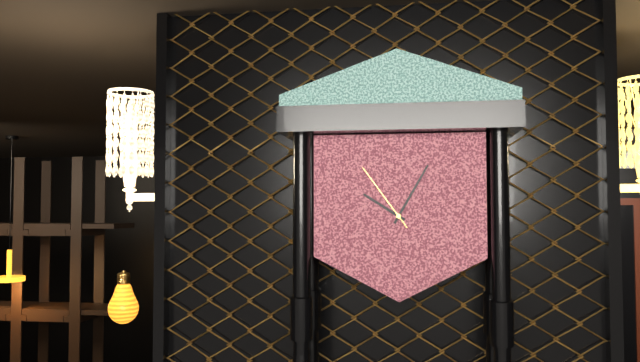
10:05:54
